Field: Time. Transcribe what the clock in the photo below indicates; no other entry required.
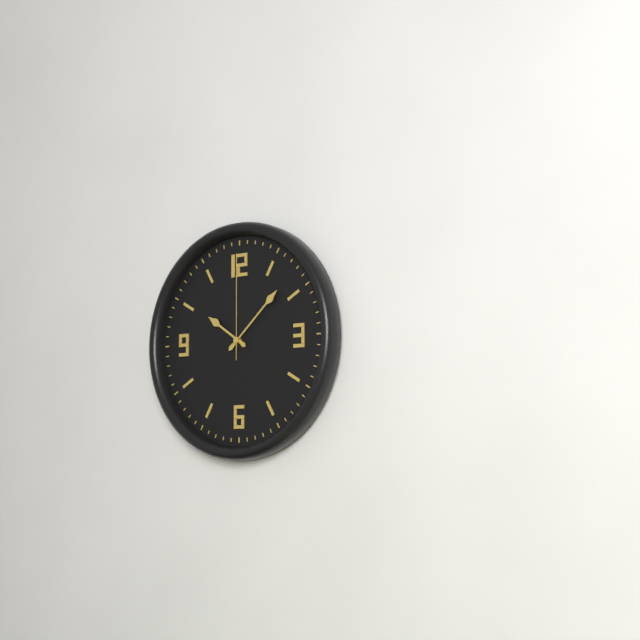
10:08:00
